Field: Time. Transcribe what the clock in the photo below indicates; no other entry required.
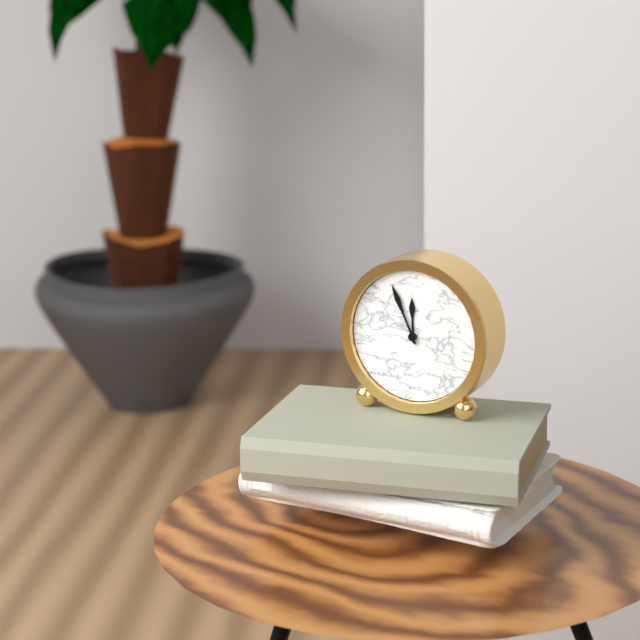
11:56
